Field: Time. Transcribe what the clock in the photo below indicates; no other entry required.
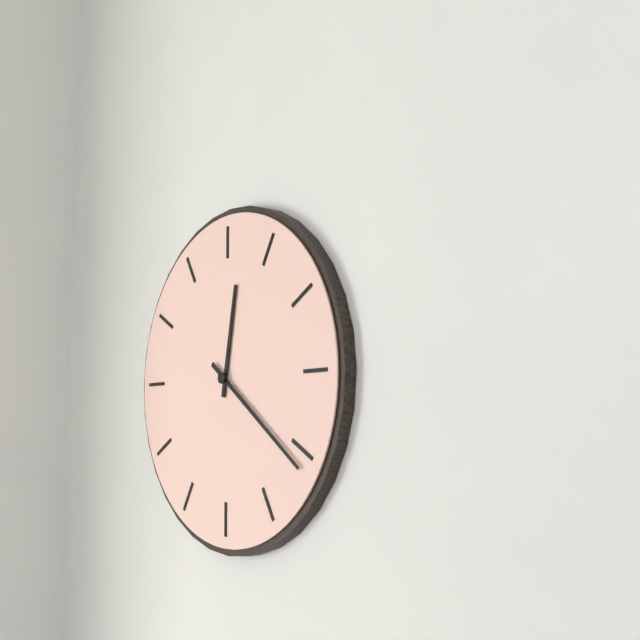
12:21
